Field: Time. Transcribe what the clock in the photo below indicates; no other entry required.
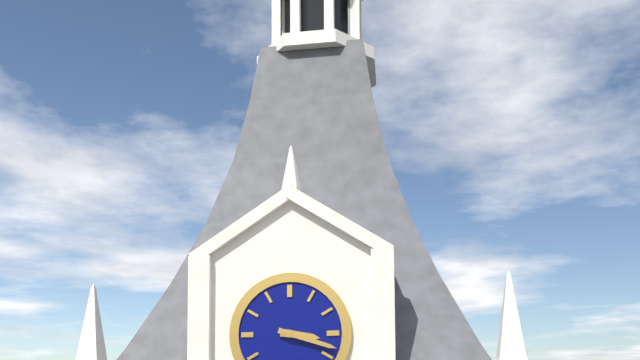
3:18
